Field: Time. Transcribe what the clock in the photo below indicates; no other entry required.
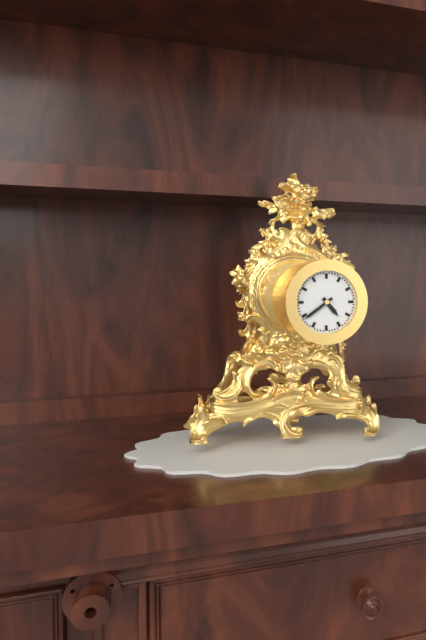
4:39
